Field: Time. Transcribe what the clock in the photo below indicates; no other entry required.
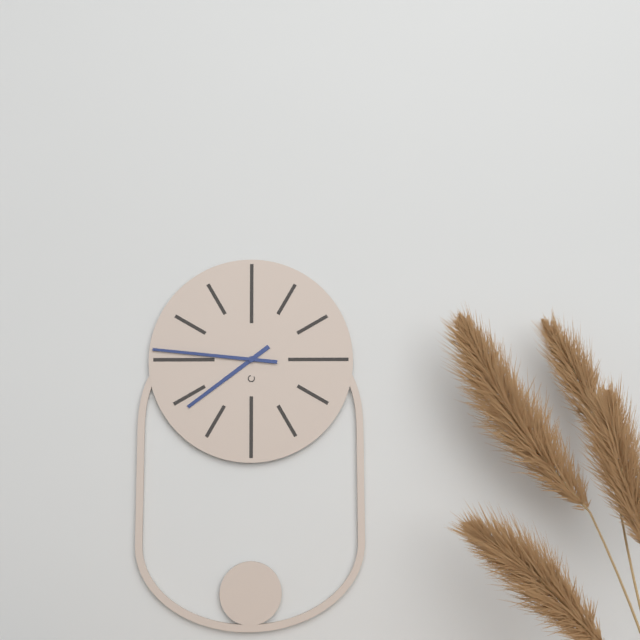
7:46
